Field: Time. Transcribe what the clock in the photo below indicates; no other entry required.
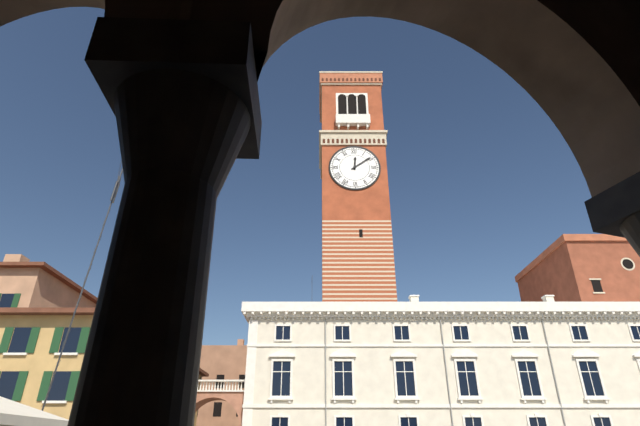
12:09
